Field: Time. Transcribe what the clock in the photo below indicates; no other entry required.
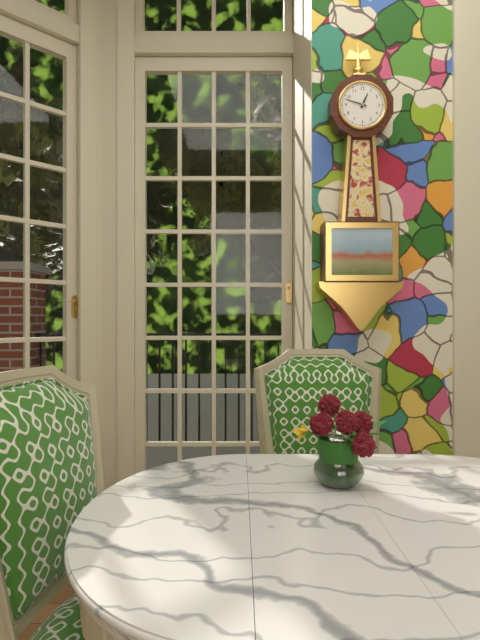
12:48
